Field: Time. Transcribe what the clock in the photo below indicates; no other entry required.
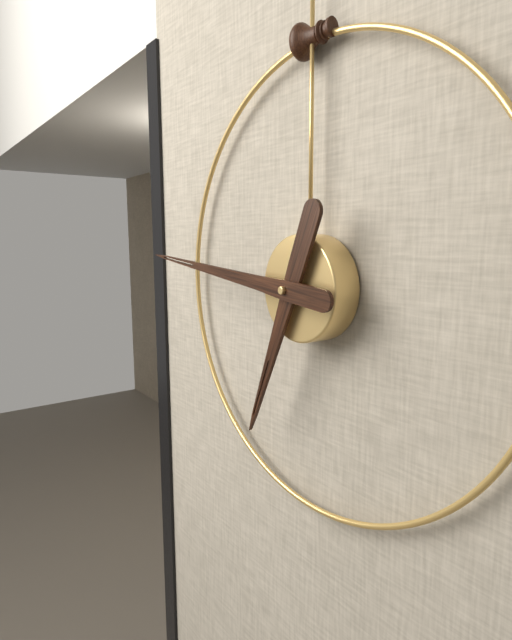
6:46
